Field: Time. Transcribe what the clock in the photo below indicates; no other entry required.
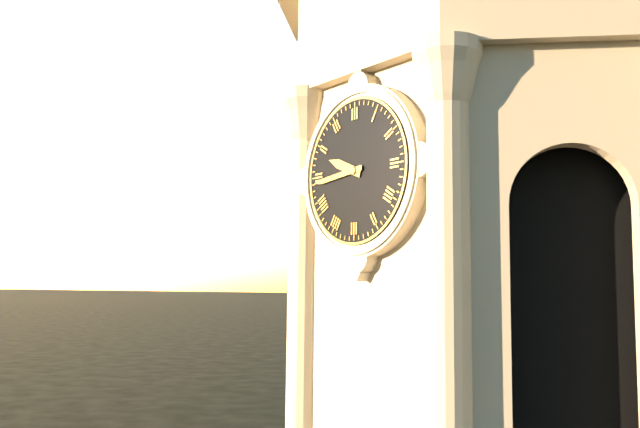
9:44
